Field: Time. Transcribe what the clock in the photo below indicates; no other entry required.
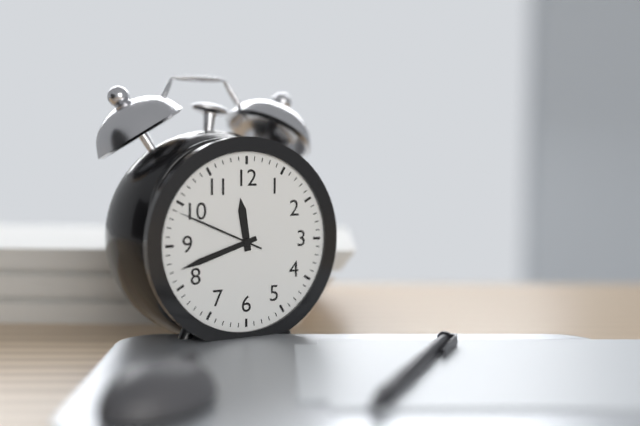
11:42:49
